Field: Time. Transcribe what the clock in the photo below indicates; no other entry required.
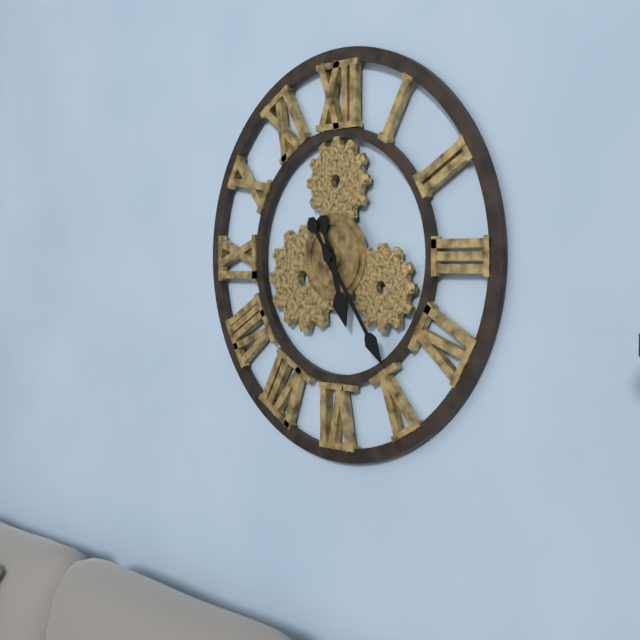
5:24
